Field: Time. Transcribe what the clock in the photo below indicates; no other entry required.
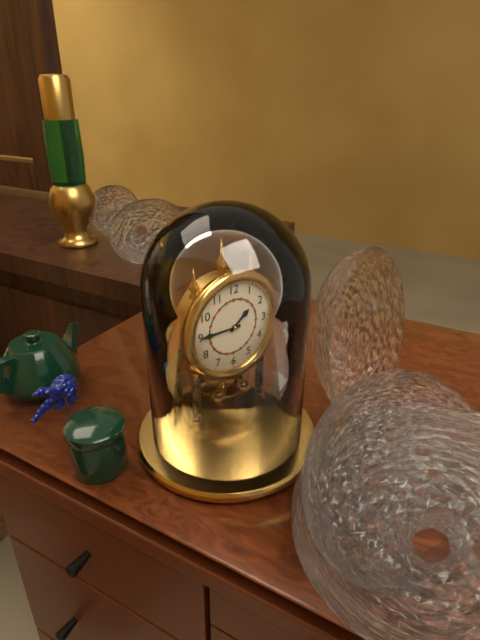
1:45
